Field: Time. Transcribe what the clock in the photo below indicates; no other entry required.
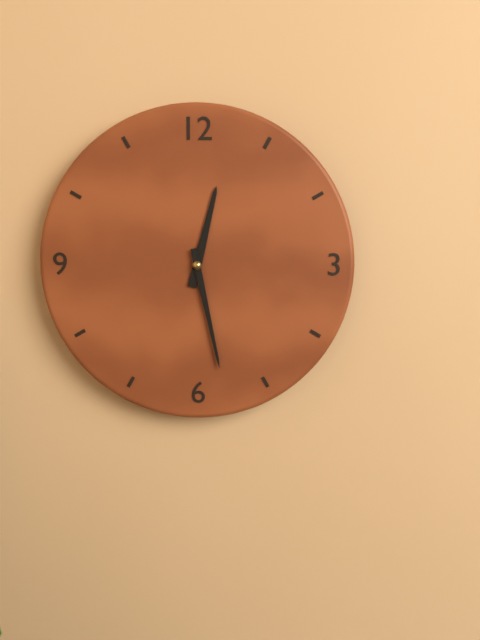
12:28
